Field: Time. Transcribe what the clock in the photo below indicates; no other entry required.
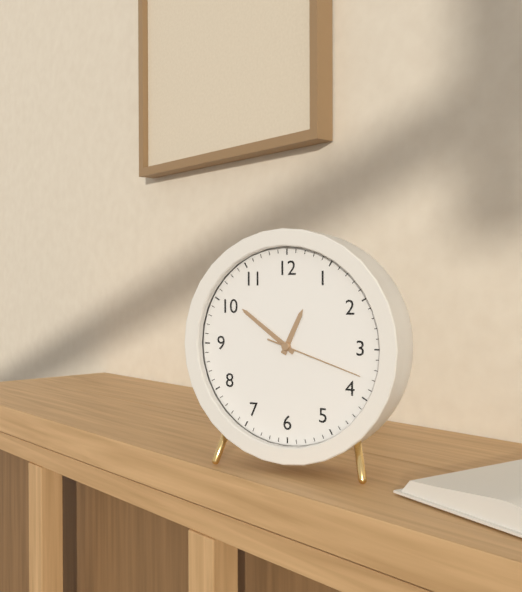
12:51:18
